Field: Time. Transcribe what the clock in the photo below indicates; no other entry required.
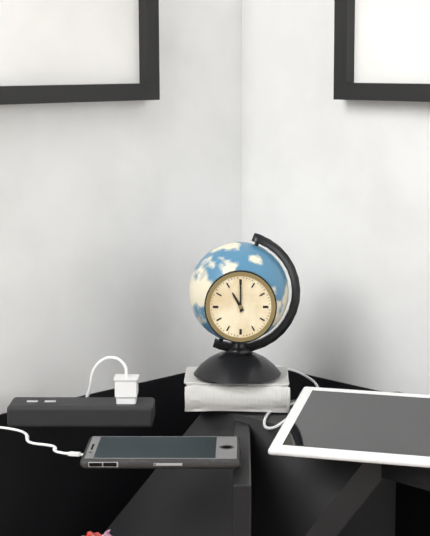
11:00
